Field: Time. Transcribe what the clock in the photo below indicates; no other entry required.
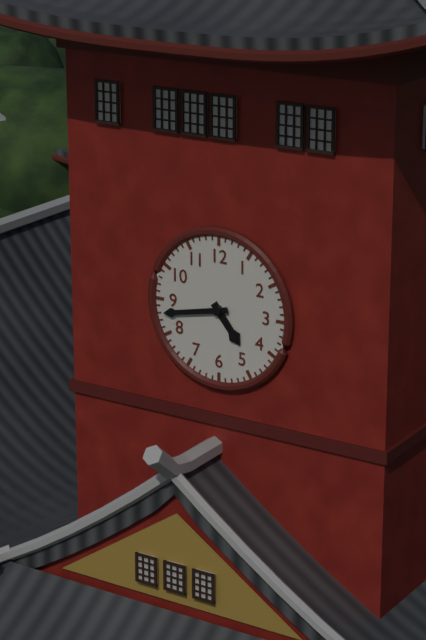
4:43
